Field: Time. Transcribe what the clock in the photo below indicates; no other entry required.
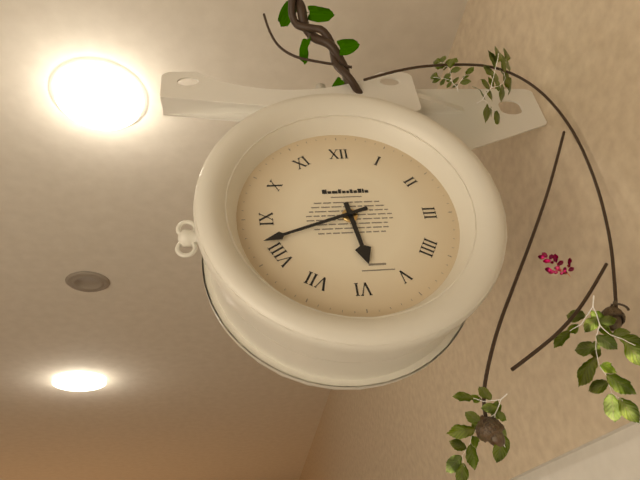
5:42
